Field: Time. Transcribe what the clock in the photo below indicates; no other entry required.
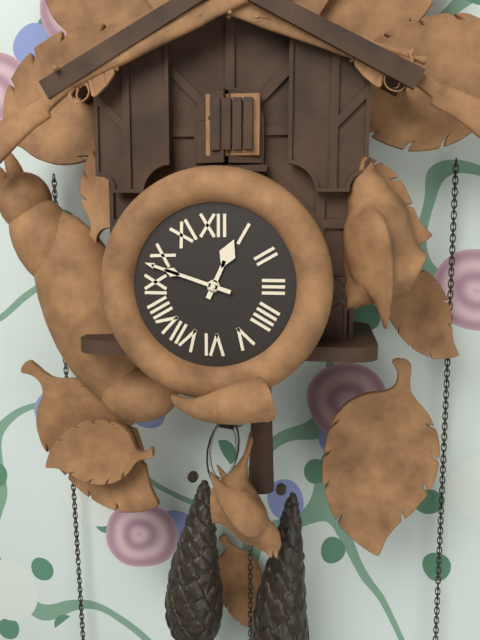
12:48
